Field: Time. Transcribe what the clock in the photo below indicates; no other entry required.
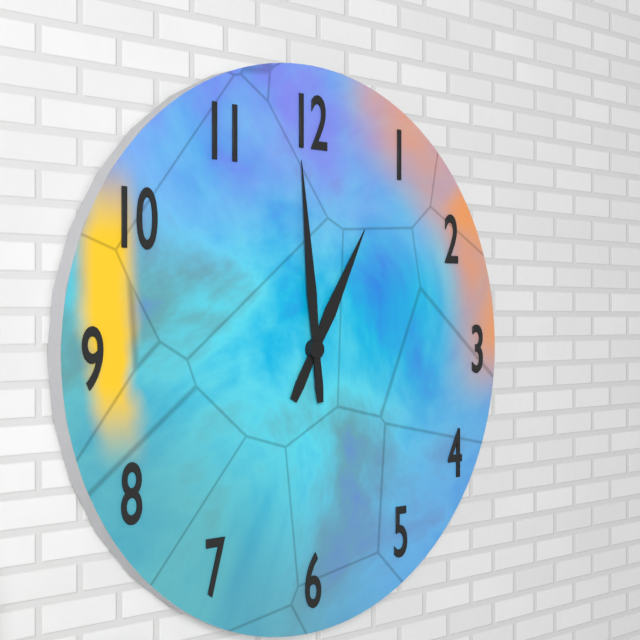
12:59
